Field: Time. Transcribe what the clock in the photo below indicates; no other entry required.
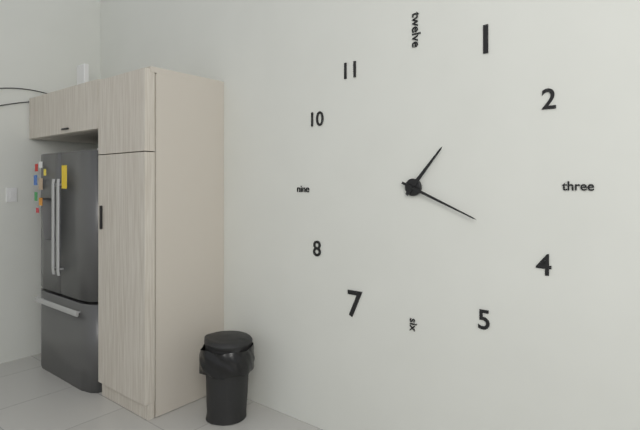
1:19
